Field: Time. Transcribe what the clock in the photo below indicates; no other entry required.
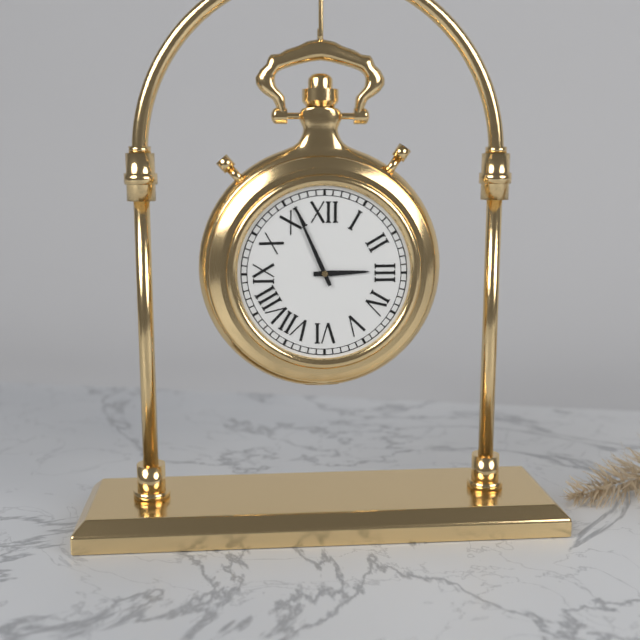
2:56
